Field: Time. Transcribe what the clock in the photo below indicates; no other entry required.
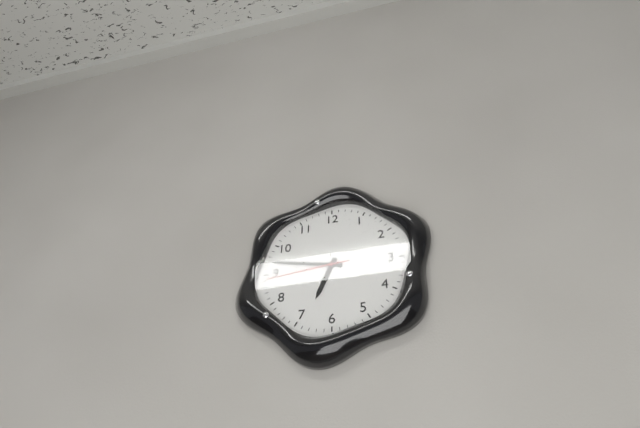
6:47:44
